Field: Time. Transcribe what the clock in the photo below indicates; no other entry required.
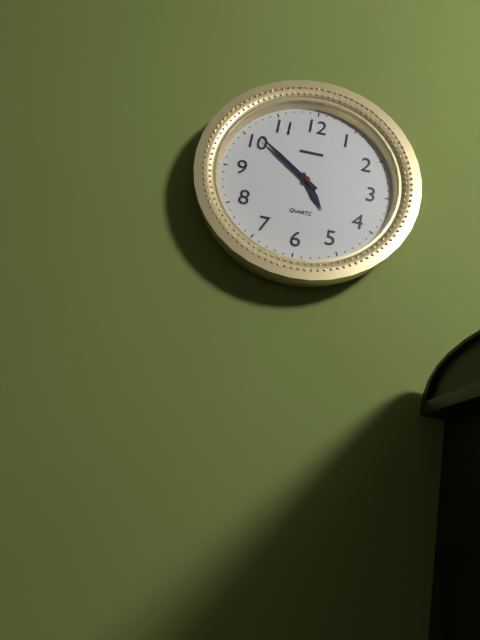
4:51
